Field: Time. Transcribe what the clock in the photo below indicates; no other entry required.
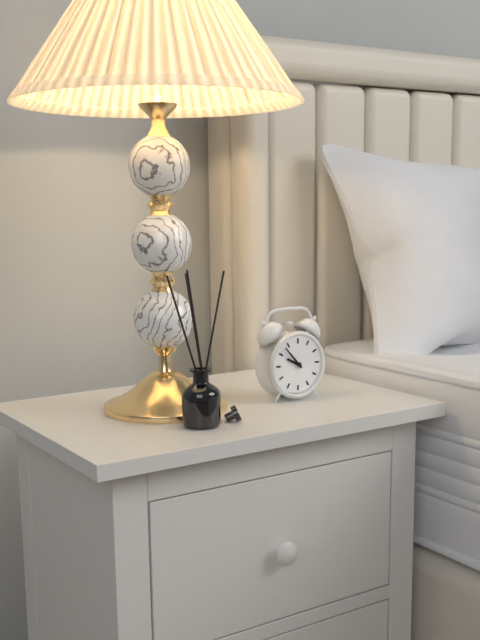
9:53
